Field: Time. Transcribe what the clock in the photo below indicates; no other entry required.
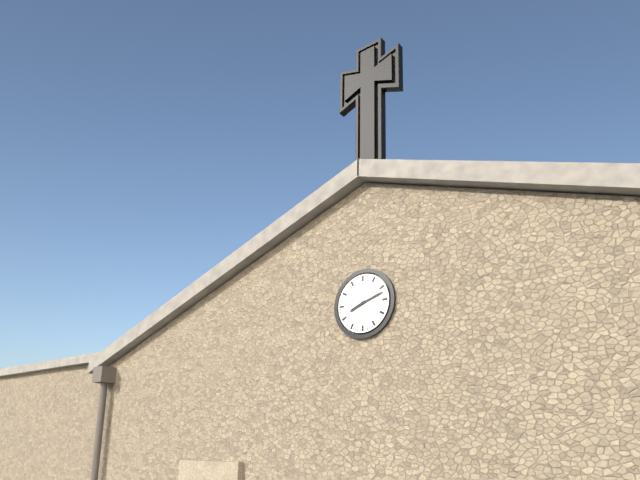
8:12
